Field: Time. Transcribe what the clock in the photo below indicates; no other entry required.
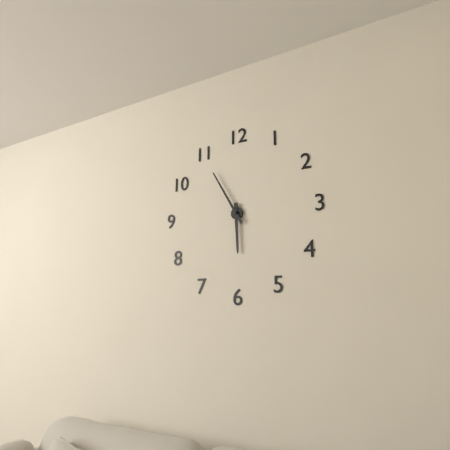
5:55
